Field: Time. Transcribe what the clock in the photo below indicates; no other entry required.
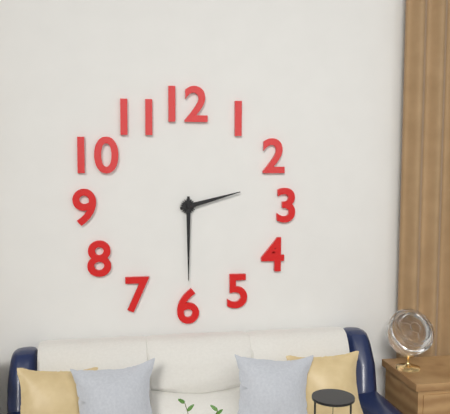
2:30
